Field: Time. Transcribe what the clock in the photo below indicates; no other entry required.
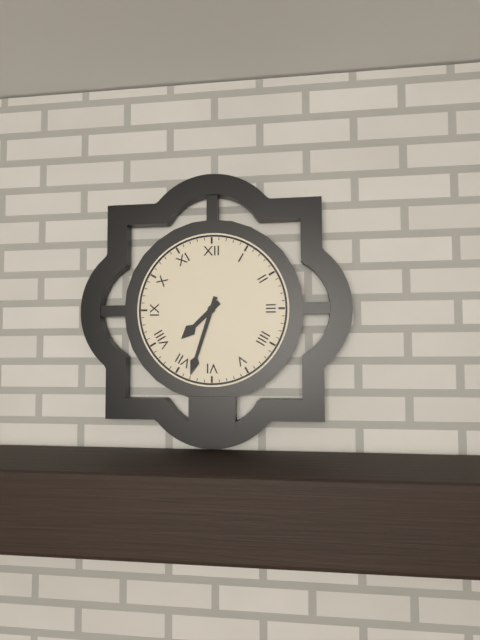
7:33
